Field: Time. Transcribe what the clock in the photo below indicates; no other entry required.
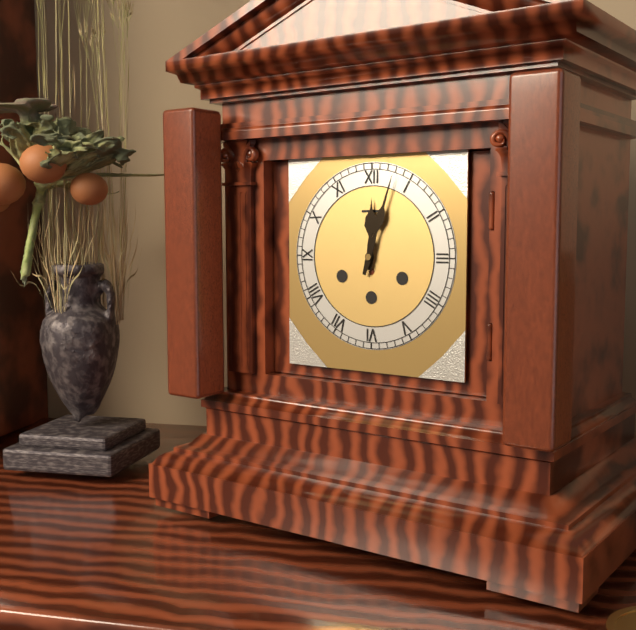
12:03
